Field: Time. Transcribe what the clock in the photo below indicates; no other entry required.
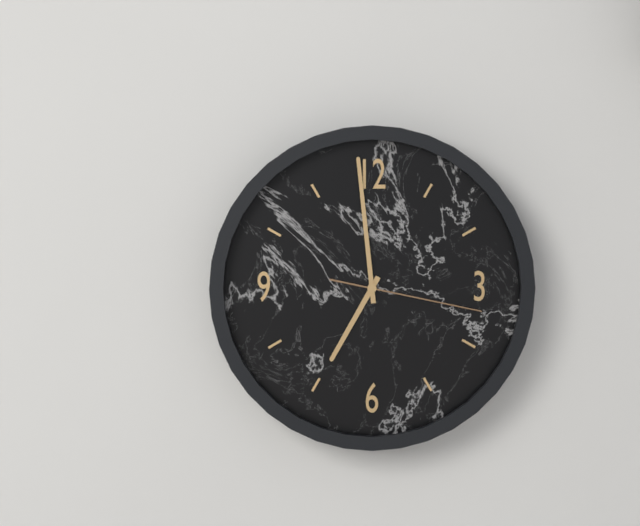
6:59:17
